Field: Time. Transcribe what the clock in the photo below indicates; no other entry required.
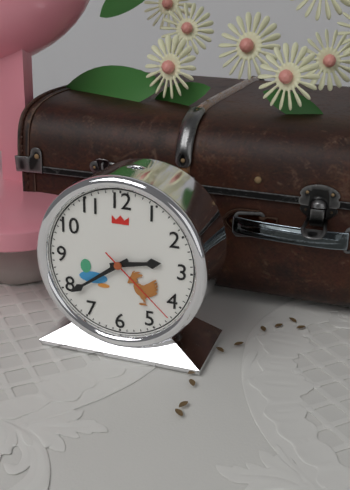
2:39:22
